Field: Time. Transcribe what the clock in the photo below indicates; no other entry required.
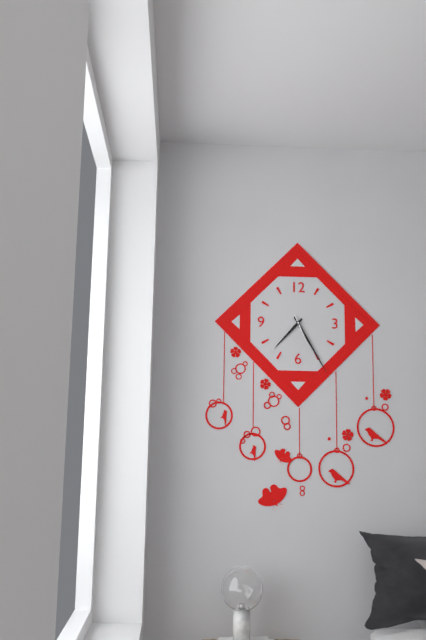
7:25
